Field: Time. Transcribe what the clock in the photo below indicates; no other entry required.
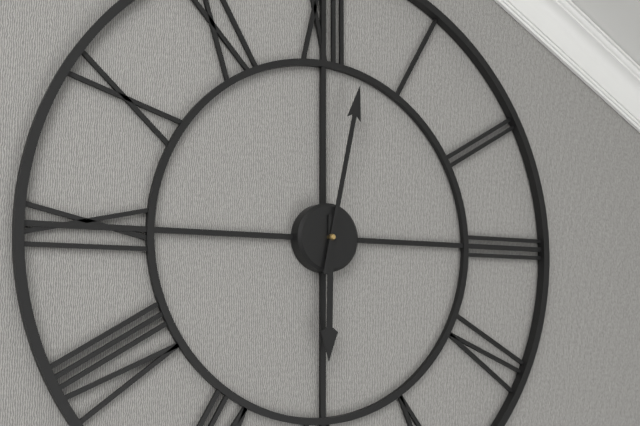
6:02
